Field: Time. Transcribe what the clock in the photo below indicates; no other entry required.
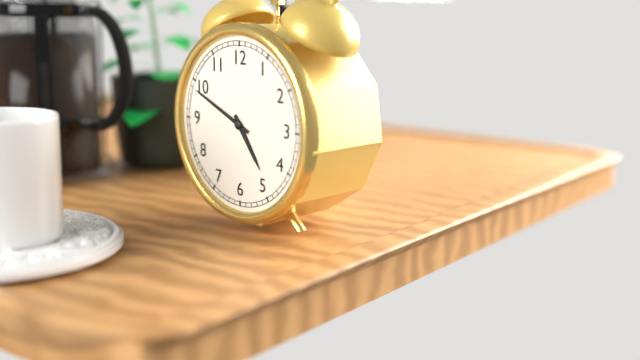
4:49
